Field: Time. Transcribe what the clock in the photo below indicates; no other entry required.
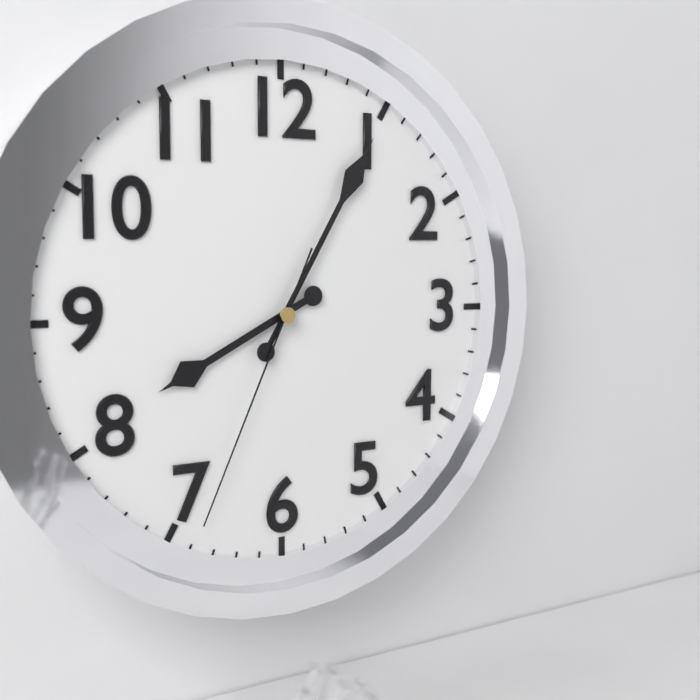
8:05:34
